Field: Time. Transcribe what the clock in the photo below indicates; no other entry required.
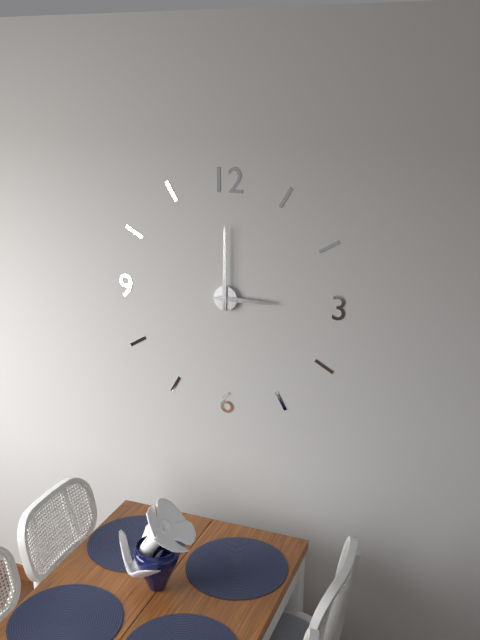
3:00
